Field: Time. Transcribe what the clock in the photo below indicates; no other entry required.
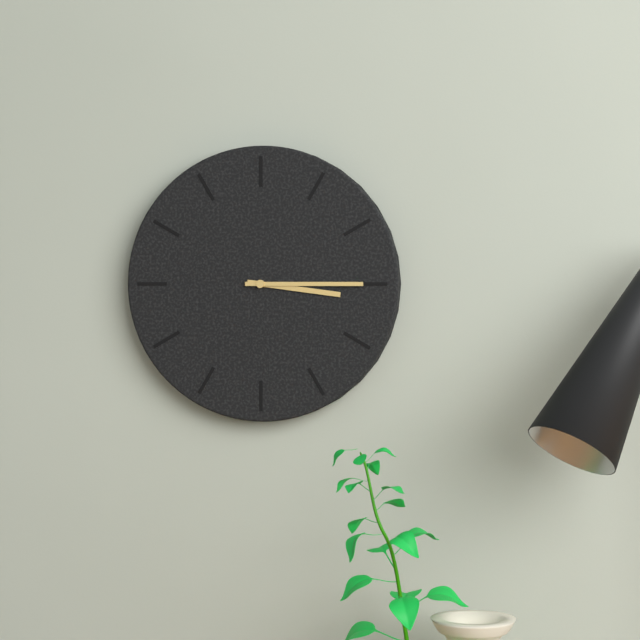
3:15
